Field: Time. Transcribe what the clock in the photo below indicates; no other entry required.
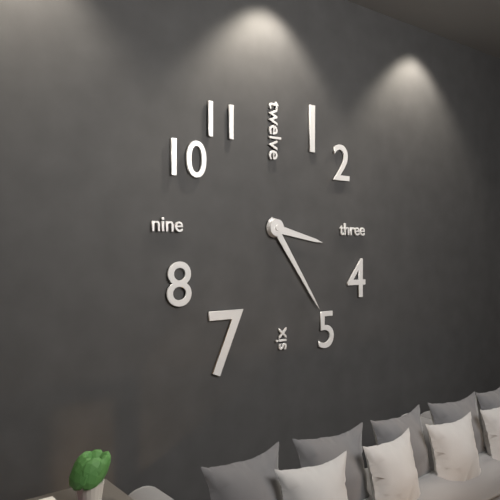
3:24
